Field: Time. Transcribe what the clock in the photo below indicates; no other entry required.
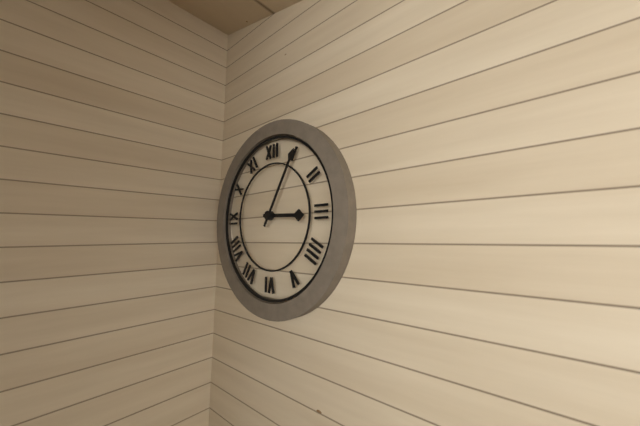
3:05
